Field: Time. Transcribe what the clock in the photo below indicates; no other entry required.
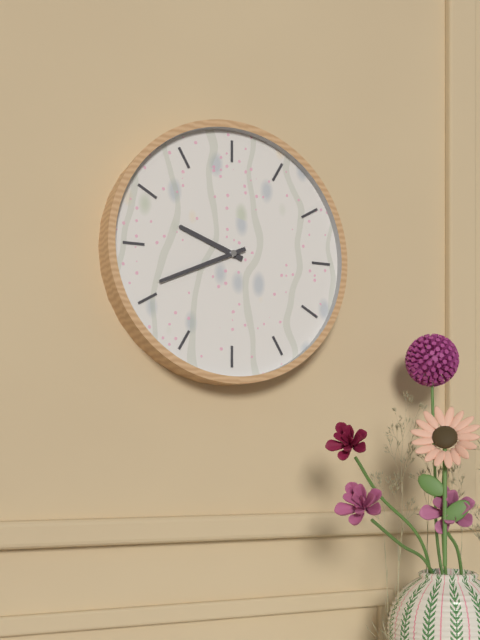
9:41
